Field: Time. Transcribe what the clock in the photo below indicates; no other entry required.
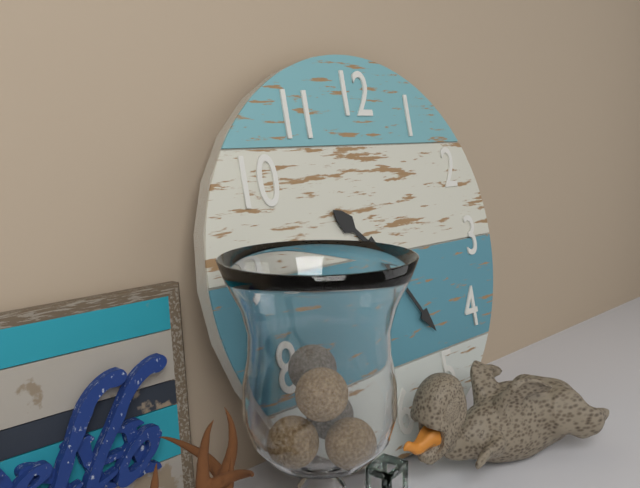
10:24
